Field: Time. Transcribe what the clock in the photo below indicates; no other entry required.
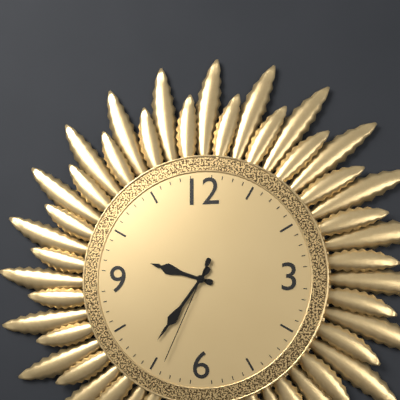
9:36:34
